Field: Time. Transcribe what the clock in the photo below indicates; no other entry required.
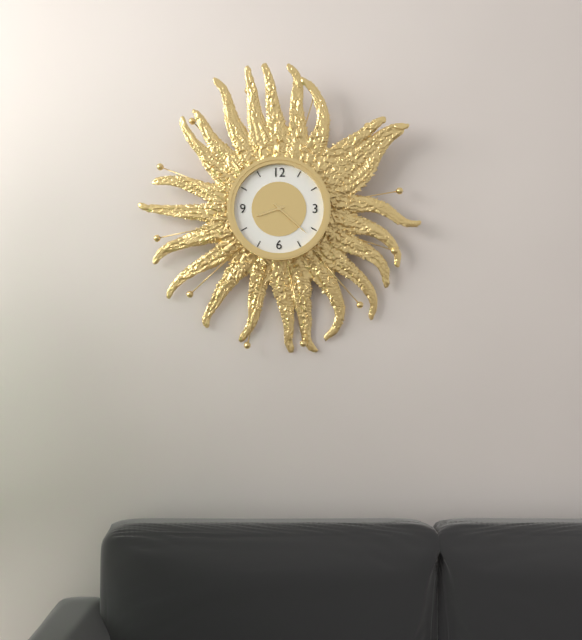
8:22
